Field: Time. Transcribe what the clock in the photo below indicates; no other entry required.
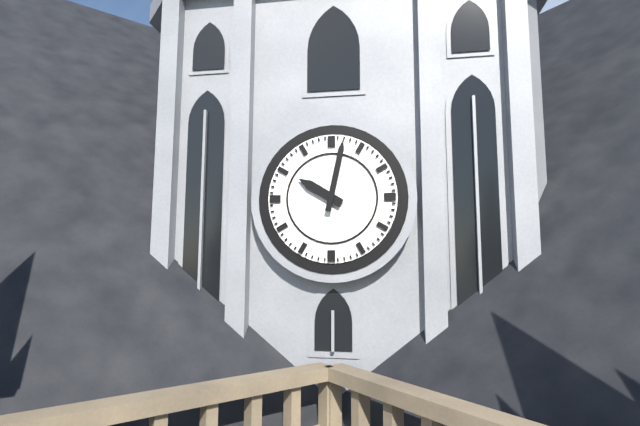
10:02
